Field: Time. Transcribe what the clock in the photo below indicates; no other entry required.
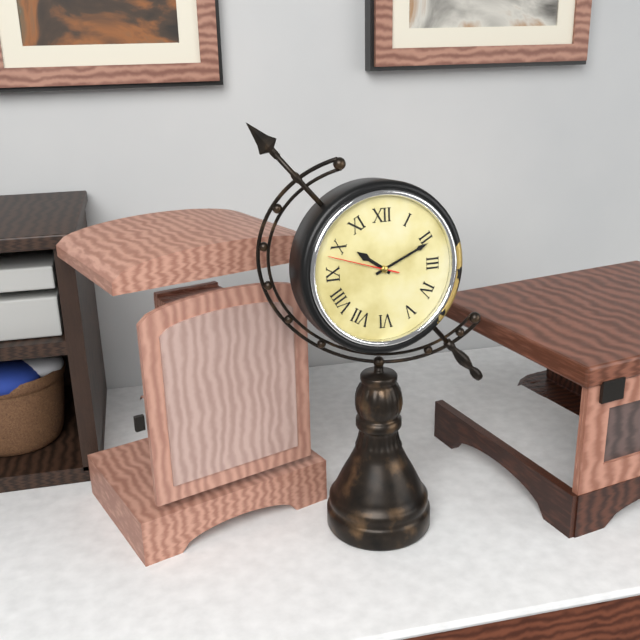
10:11:48
